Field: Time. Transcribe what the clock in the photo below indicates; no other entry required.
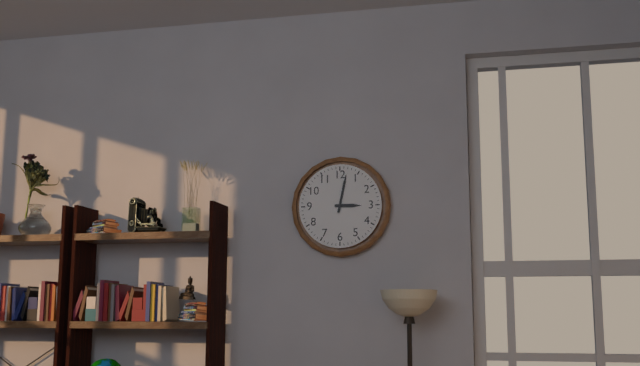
3:02
